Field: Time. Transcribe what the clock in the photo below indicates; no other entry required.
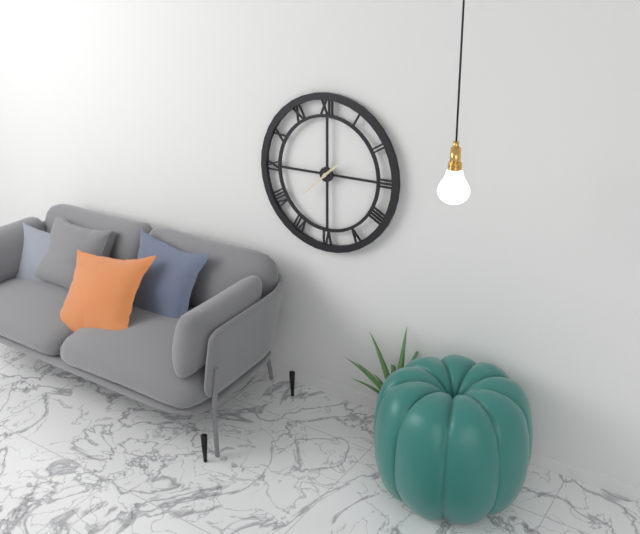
1:38
